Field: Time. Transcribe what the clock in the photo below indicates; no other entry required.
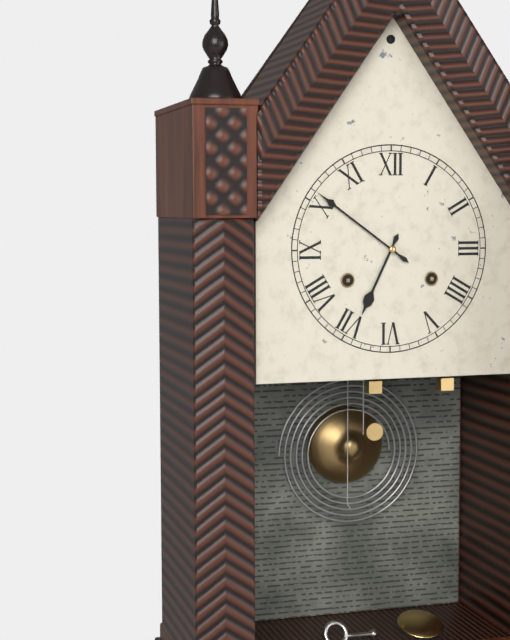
6:51
